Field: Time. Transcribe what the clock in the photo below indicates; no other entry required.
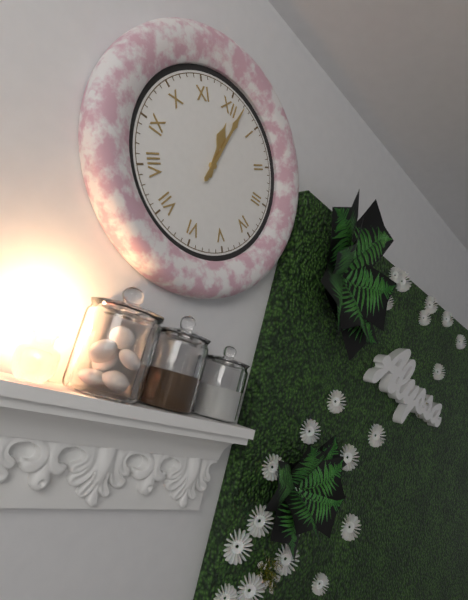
12:02
